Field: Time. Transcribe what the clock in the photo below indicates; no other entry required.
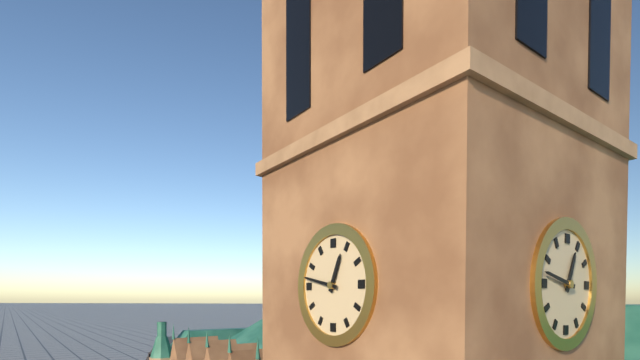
12:47
